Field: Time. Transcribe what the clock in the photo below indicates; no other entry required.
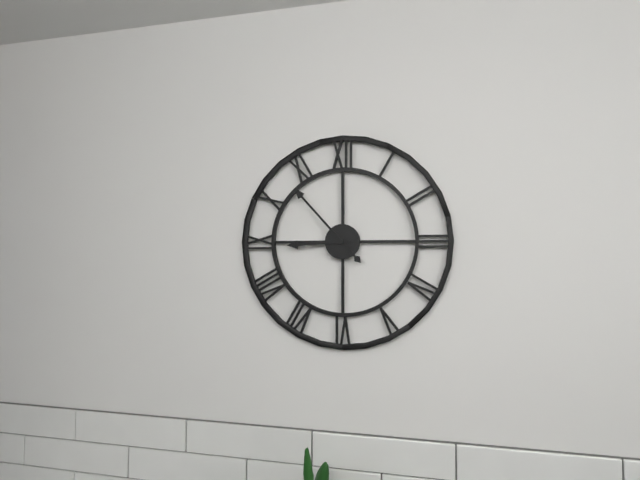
8:53
